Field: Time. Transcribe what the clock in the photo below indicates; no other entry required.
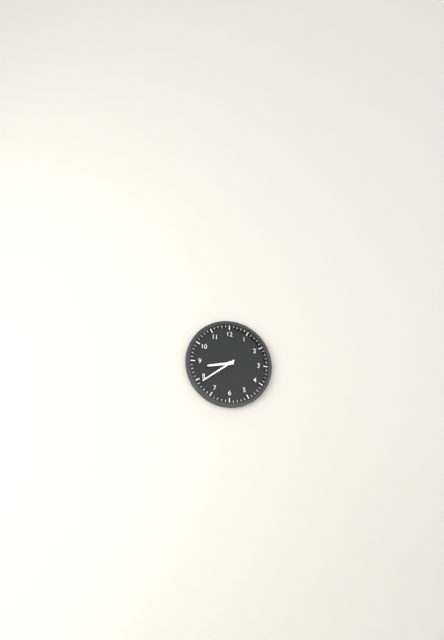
8:39
